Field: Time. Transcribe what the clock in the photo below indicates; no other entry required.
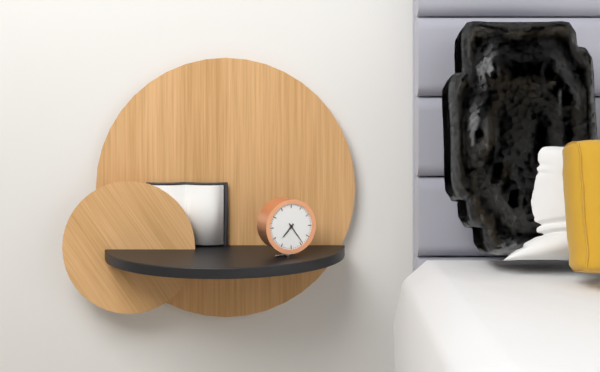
7:24
